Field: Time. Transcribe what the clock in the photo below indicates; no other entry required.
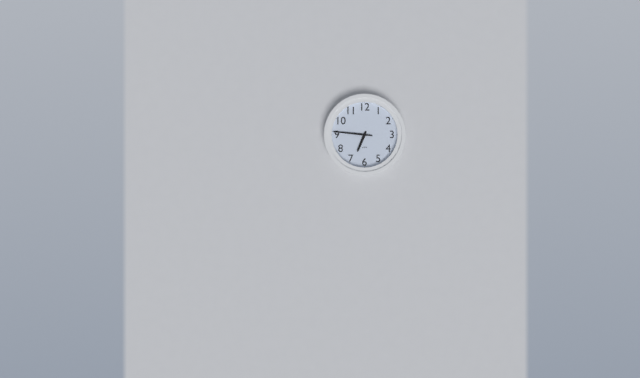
6:46
